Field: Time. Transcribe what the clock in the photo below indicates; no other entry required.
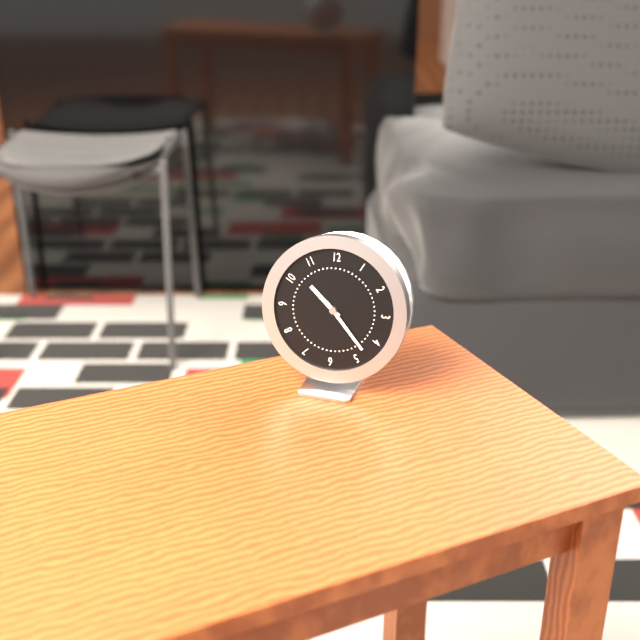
10:23
